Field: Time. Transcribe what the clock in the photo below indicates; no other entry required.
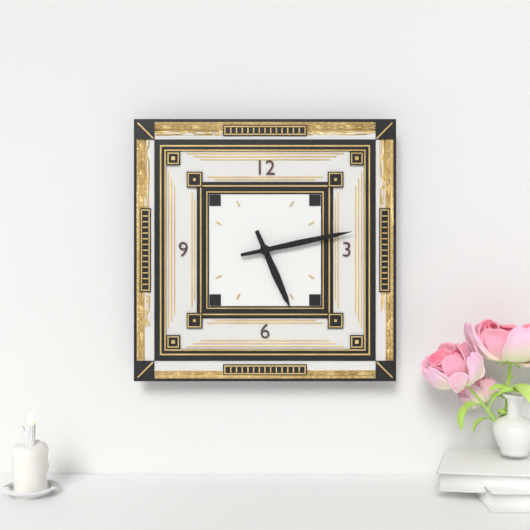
5:13
